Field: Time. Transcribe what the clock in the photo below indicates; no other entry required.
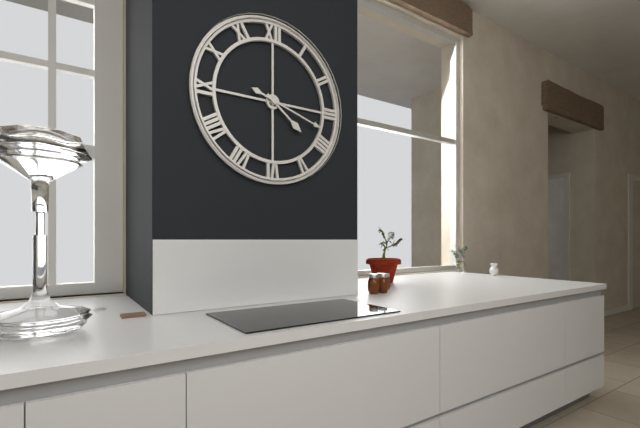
4:18
